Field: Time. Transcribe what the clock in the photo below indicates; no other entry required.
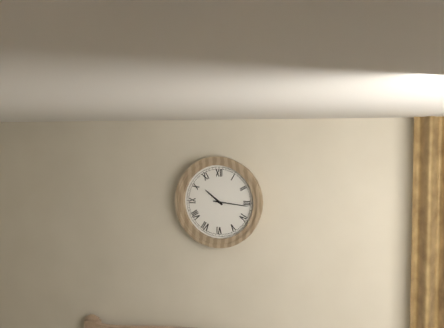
10:16
